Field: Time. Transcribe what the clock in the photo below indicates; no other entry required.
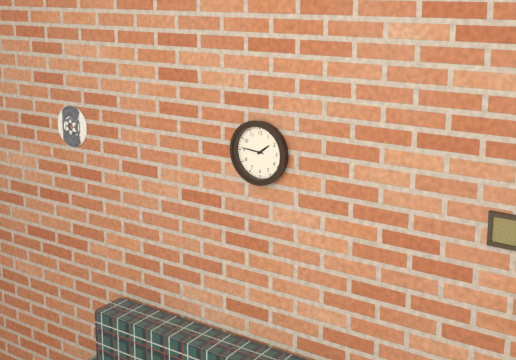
1:46
